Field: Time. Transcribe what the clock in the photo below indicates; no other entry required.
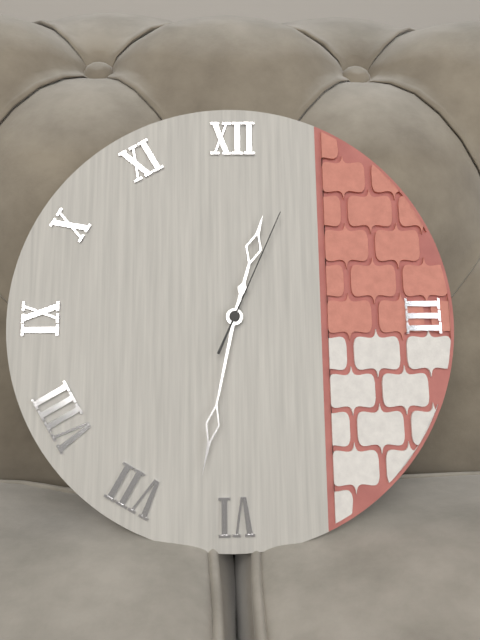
12:32:04
